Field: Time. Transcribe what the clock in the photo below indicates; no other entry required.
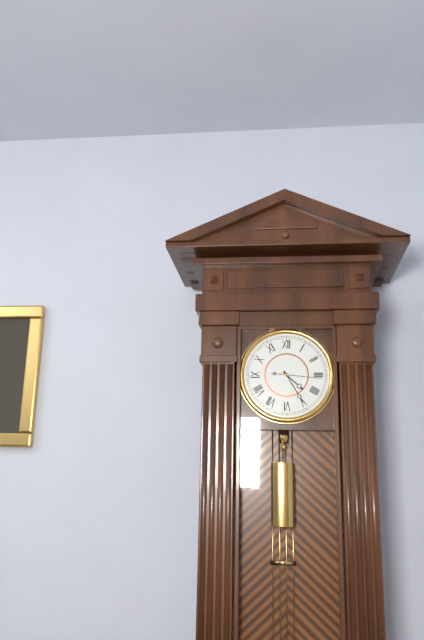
4:25
